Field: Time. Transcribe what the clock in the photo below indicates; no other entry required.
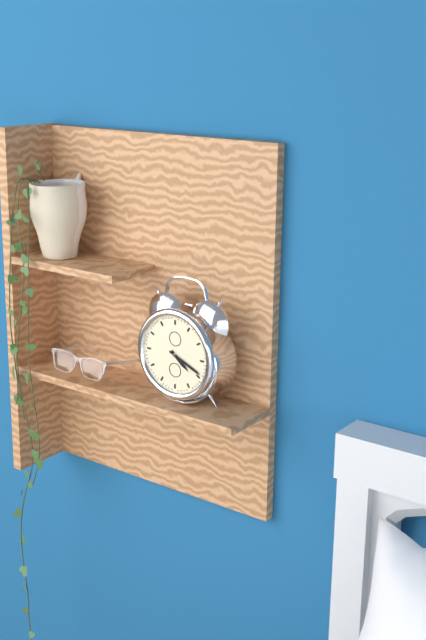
4:19
